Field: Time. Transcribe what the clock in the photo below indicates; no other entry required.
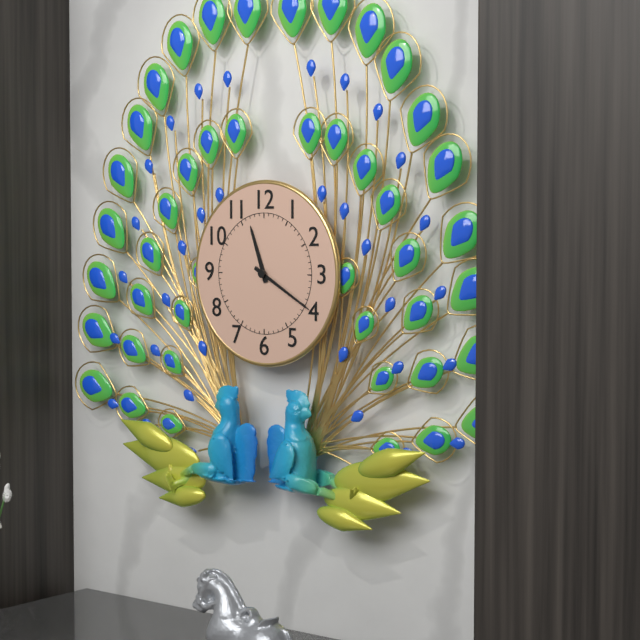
11:20
